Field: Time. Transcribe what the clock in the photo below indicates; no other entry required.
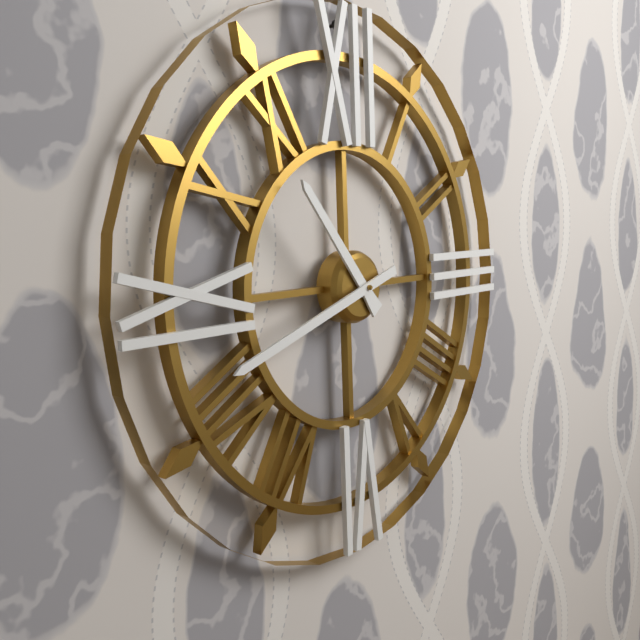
10:42
